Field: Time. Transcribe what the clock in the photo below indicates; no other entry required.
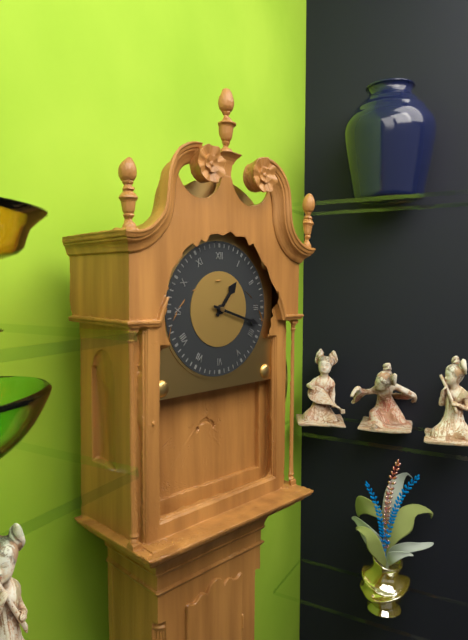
1:18
